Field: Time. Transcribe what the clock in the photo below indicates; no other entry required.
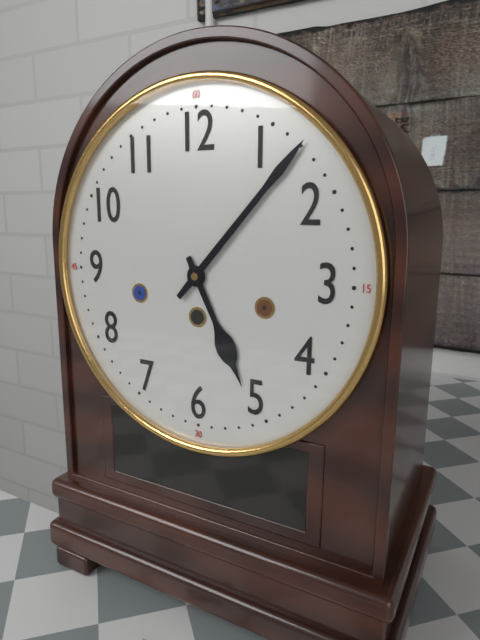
5:07
